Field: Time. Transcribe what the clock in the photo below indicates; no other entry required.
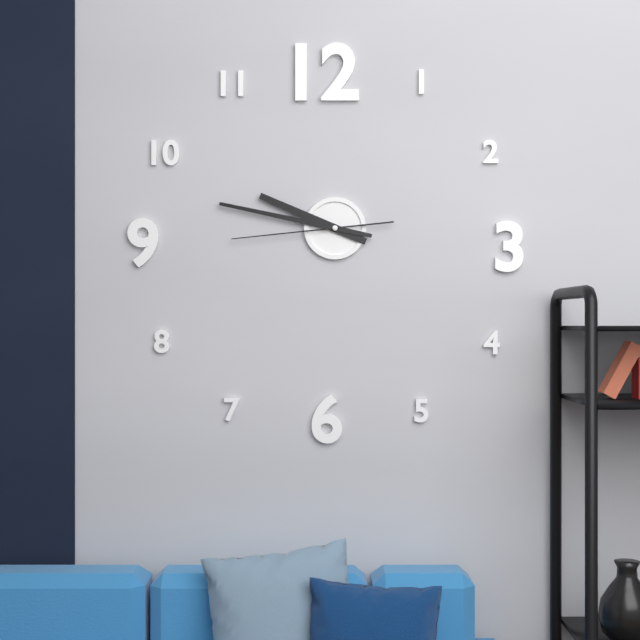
9:47:44
